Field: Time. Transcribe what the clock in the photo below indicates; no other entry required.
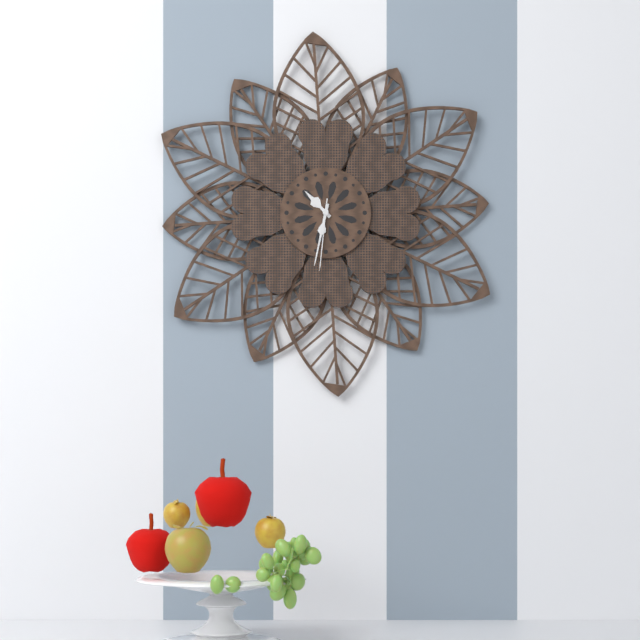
10:32:31
